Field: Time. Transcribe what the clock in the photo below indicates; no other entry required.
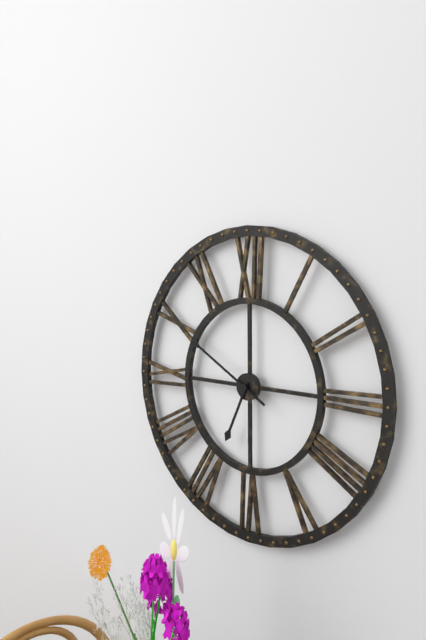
6:50
